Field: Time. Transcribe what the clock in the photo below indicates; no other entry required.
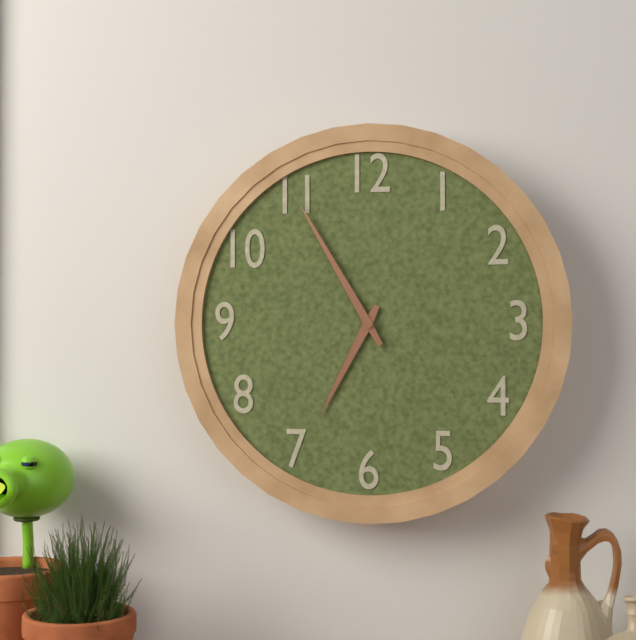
6:55
